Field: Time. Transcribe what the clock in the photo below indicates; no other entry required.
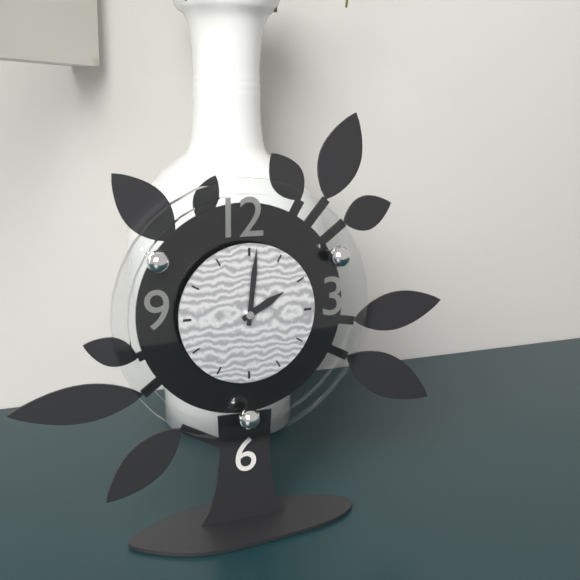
2:01
